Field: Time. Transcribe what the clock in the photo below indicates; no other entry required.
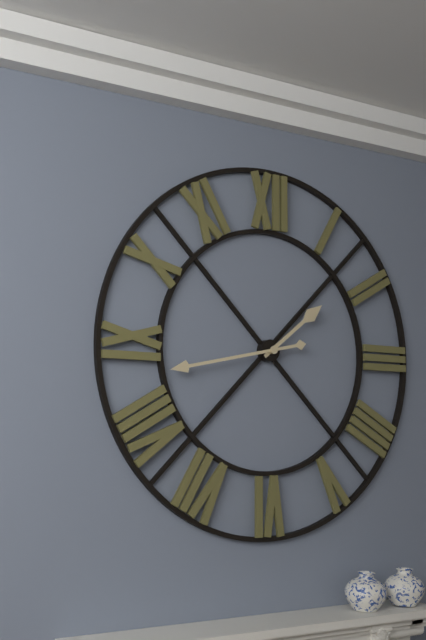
1:43
